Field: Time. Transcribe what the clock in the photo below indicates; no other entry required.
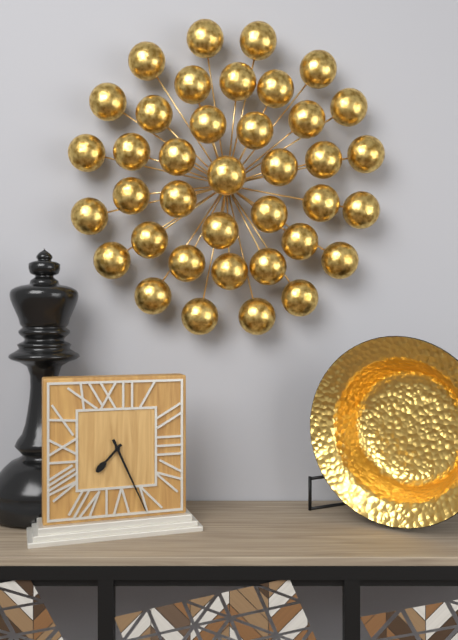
7:26
